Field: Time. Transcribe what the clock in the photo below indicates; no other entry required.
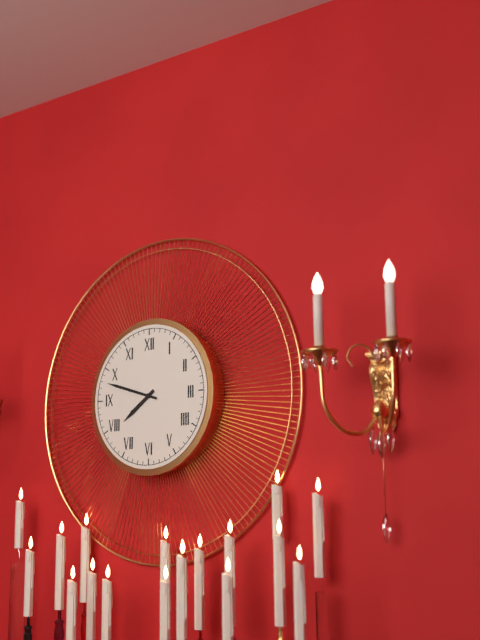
7:48
